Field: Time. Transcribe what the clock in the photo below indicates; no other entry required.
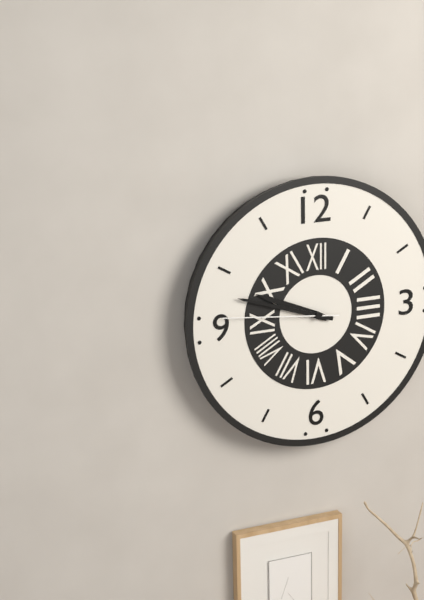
9:48:46
